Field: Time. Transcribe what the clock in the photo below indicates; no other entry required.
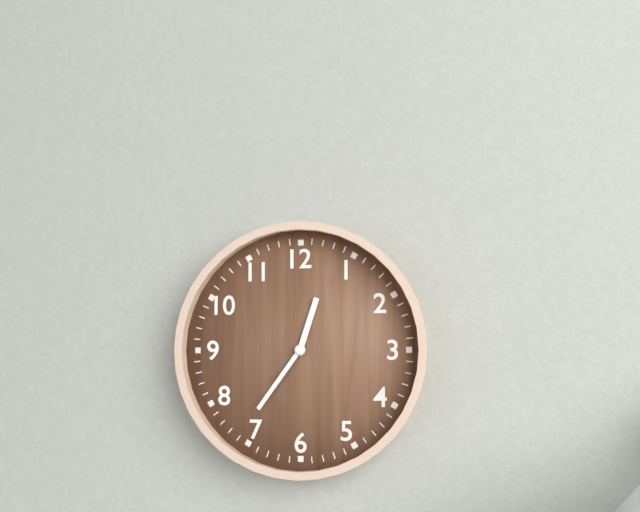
12:36
